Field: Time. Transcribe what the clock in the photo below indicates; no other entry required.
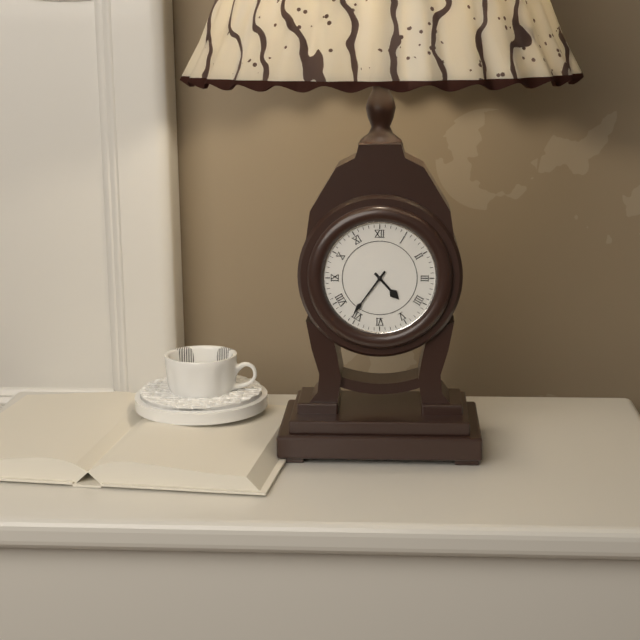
4:36
